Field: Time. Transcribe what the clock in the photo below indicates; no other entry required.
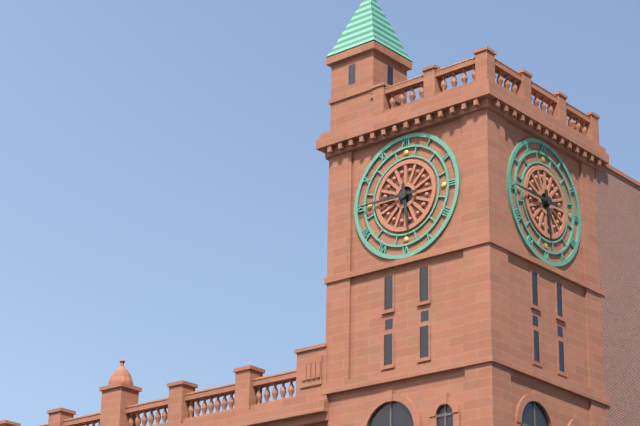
5:45
